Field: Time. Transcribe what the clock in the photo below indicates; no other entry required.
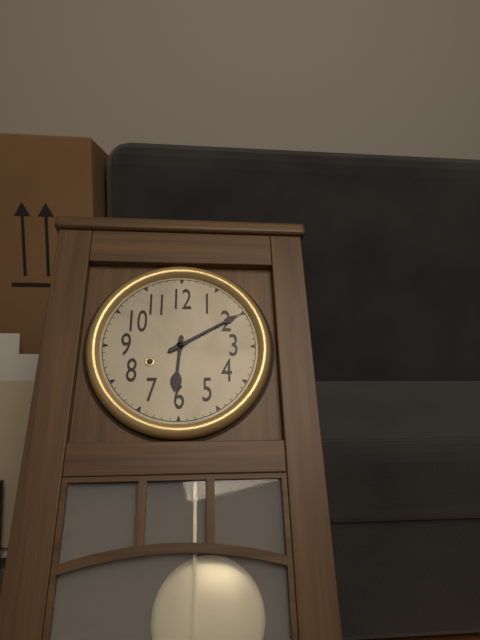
6:10
